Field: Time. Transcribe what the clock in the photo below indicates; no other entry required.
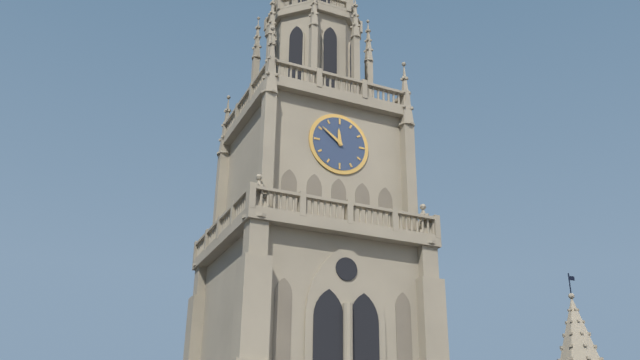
11:51
